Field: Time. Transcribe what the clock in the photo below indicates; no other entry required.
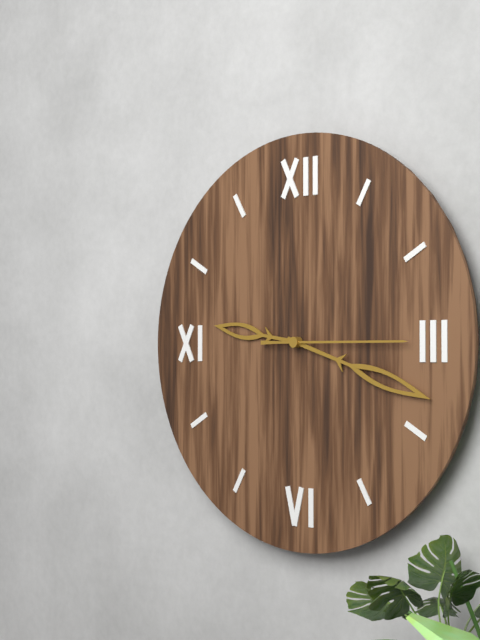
9:18:15
